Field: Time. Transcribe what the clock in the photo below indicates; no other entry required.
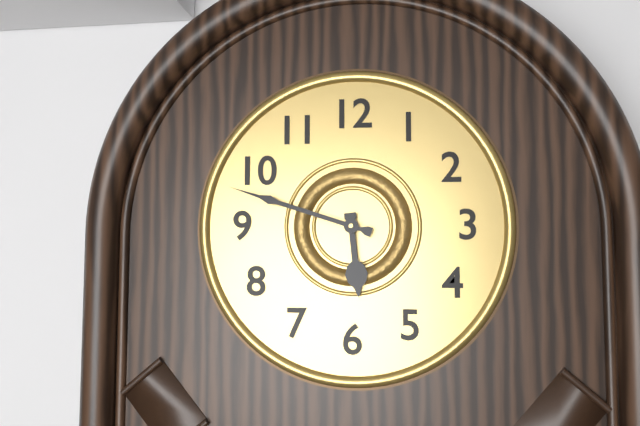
5:48
